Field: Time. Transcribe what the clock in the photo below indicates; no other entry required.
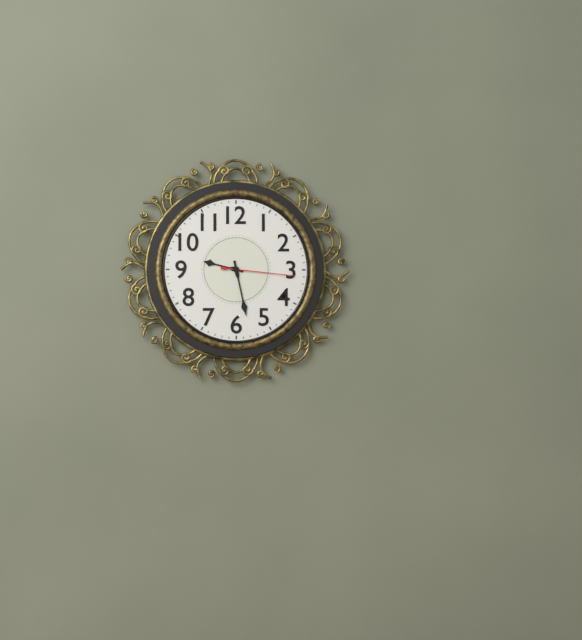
9:28:16
